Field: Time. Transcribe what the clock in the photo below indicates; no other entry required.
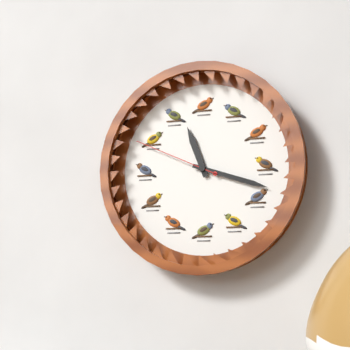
11:18:49
